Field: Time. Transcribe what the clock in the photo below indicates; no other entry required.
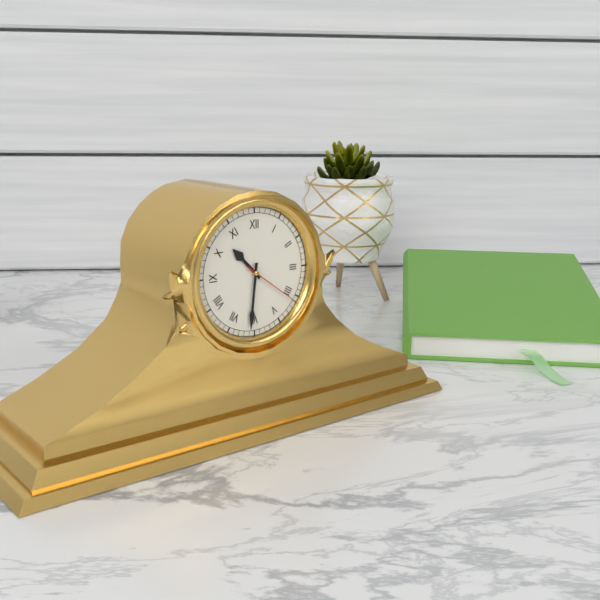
10:31:21
